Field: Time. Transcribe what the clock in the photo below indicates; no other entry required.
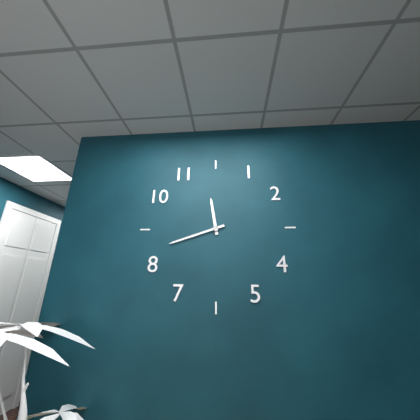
11:42
